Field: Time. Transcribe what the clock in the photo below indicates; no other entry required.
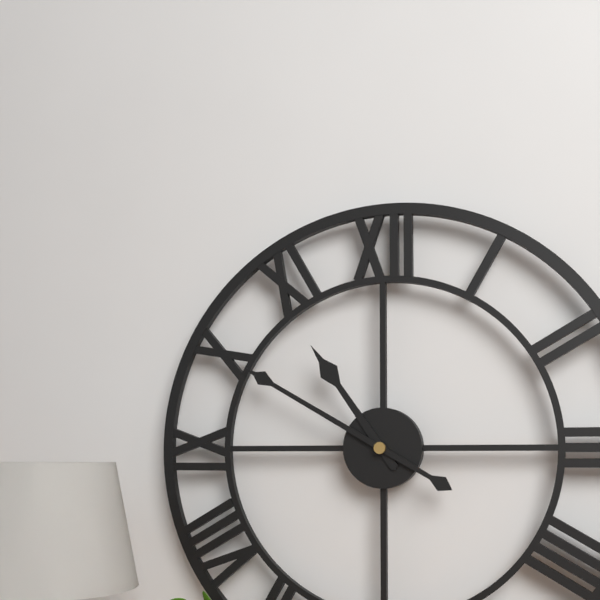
10:50
